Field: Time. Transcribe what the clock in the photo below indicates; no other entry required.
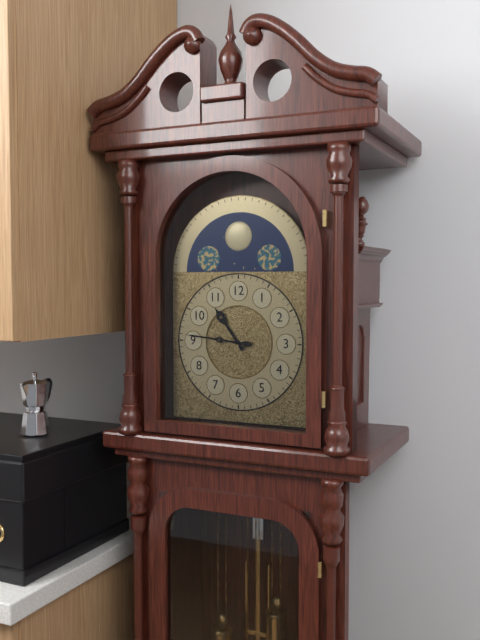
10:46
